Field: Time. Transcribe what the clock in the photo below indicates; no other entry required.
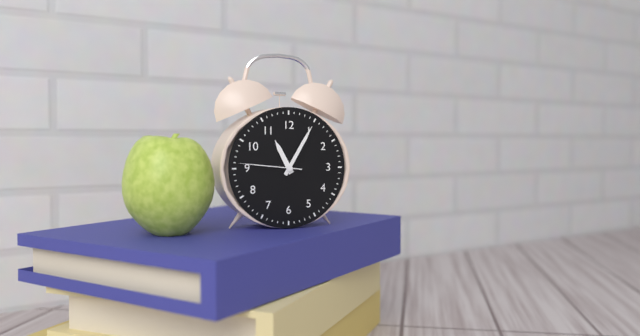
11:05:46
